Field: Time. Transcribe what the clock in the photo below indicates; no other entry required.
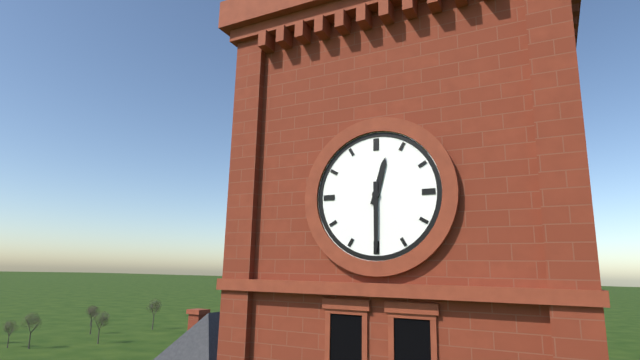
12:30
